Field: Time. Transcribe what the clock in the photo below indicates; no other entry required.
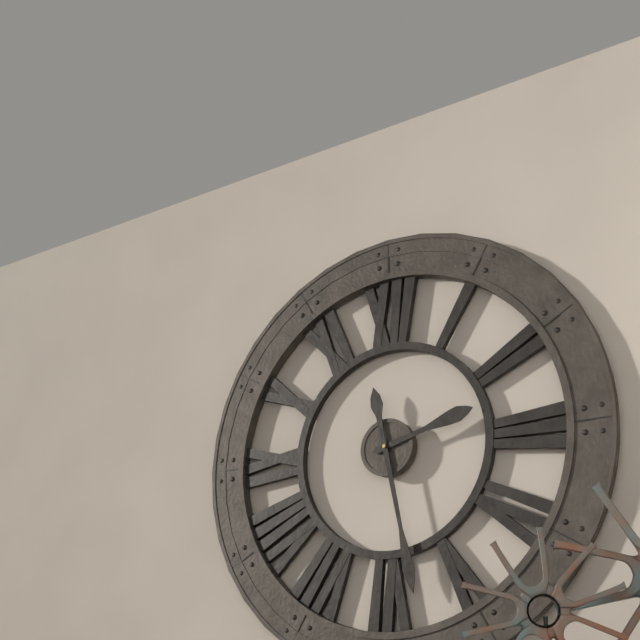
2:28
